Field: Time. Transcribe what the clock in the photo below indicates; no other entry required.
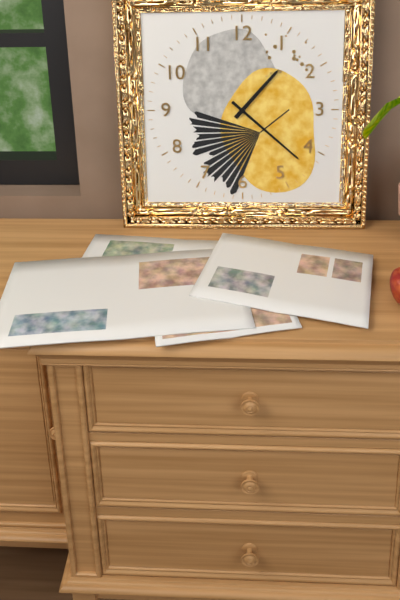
1:22
